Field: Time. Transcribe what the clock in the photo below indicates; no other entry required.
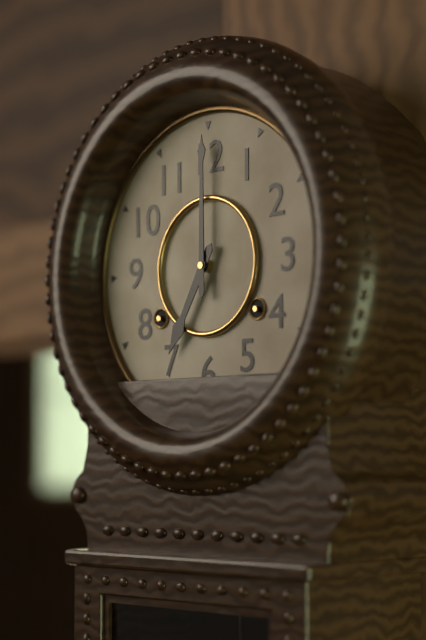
7:00
